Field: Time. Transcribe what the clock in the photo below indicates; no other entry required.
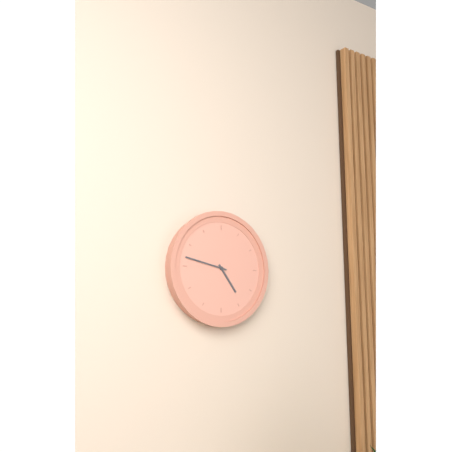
4:47
